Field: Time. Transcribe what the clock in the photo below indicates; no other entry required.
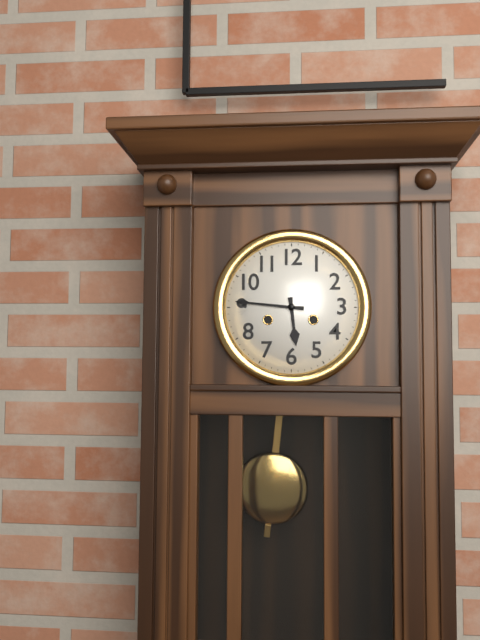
5:46
